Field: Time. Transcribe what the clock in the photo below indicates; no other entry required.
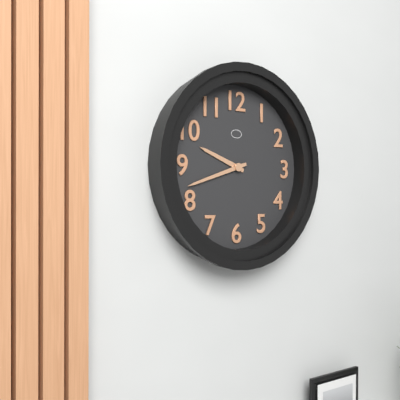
9:42
